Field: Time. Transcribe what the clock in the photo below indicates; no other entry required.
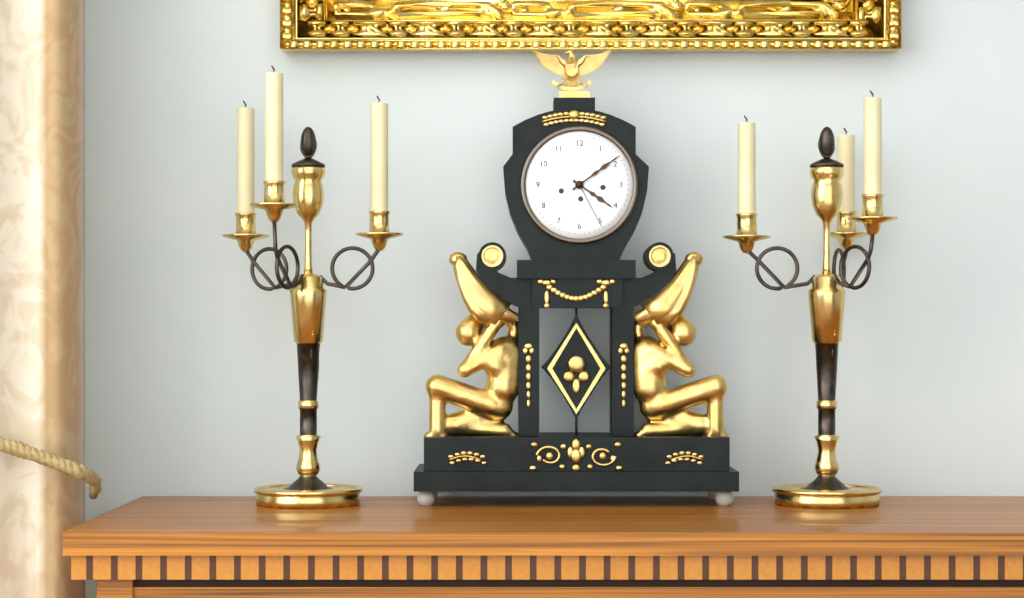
4:09
